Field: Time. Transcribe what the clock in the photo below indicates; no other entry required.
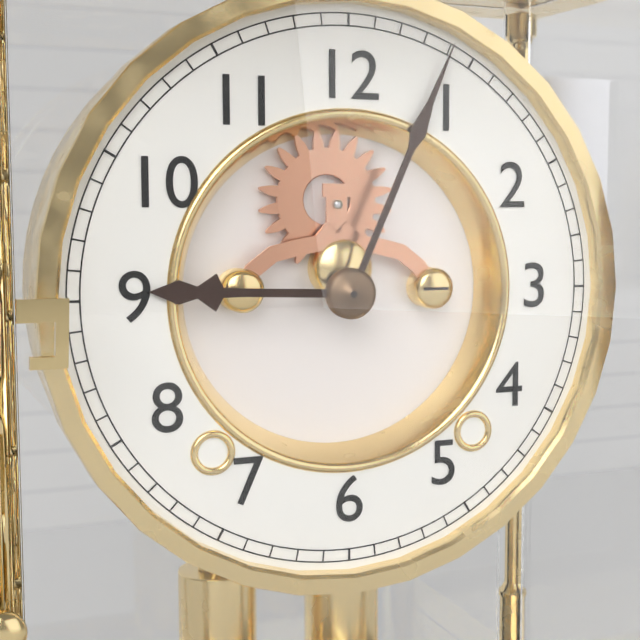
9:04
